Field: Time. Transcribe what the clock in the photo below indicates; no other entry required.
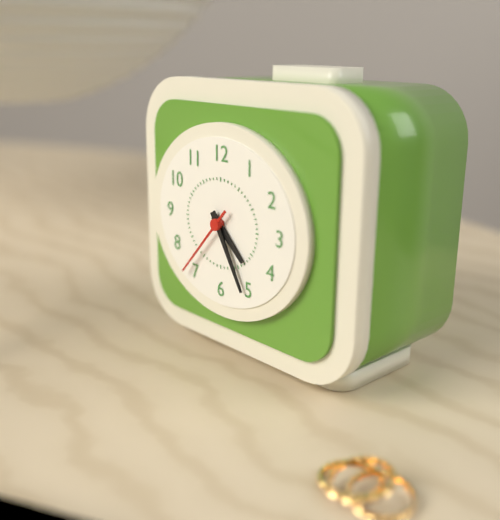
4:25:37
